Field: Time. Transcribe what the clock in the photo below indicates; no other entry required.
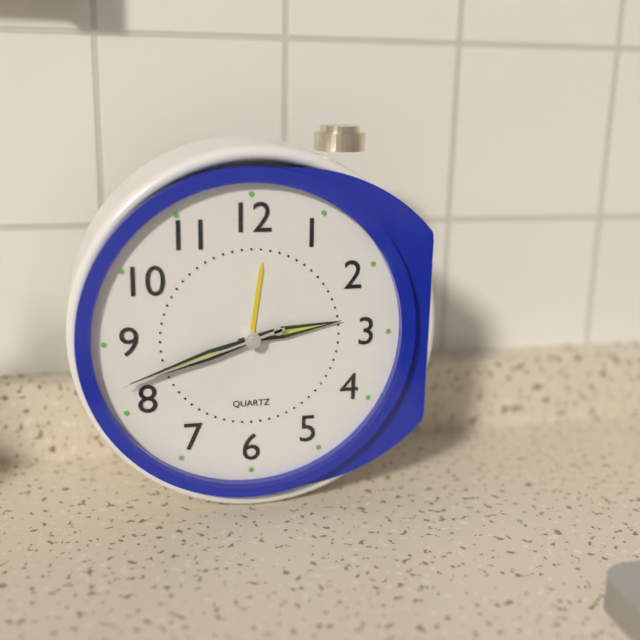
2:42:42
